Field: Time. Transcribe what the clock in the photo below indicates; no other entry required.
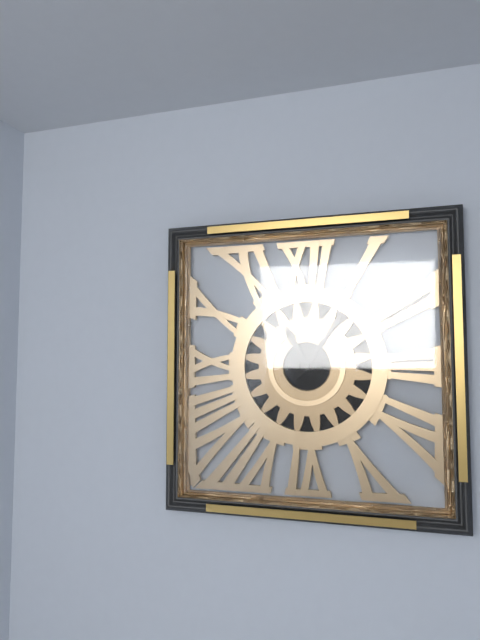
11:06
